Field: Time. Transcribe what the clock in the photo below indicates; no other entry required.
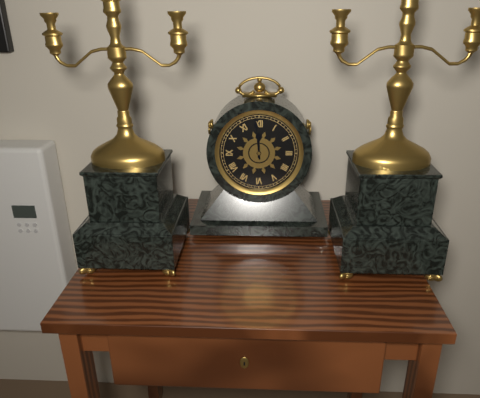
11:59
